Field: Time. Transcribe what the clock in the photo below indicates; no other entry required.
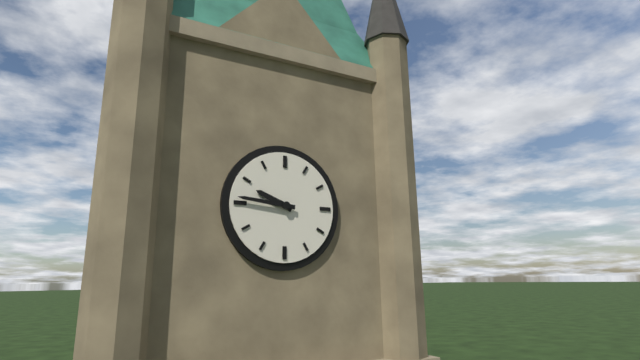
9:46
